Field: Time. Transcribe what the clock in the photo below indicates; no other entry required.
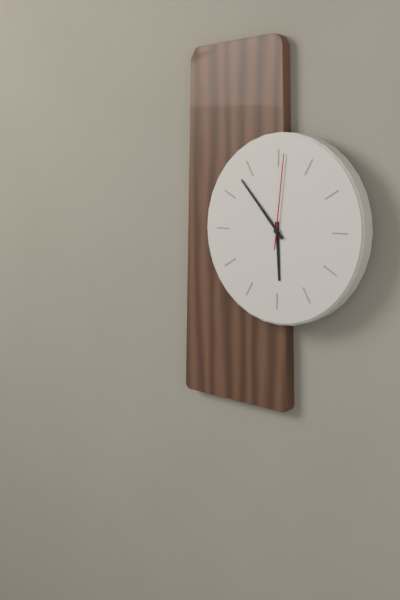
5:53:01
